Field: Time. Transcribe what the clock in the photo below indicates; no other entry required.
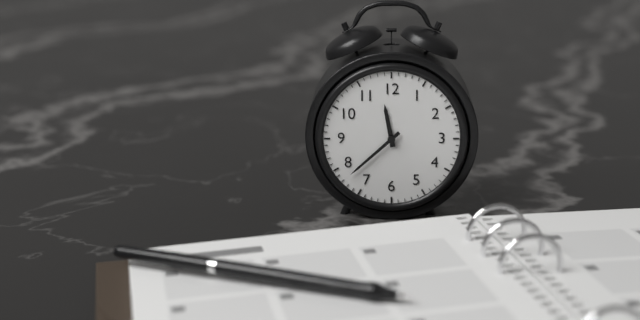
11:38
